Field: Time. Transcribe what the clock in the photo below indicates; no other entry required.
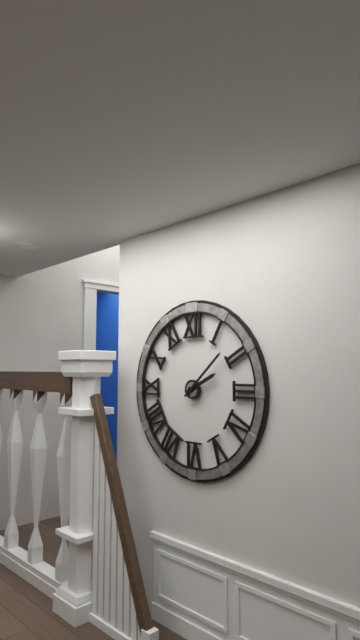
2:08
